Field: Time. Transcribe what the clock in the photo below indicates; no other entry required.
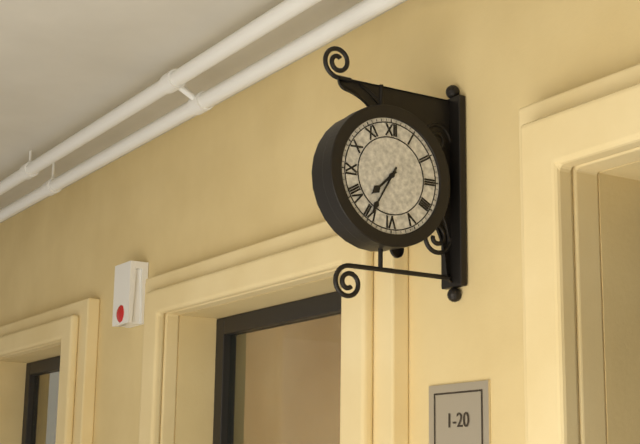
7:35
